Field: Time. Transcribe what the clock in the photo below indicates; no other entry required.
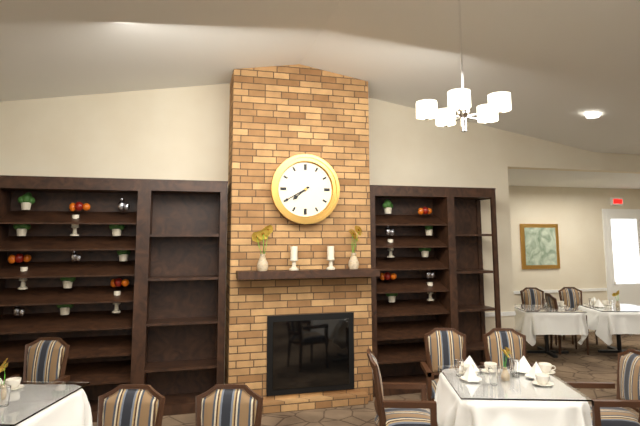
7:40
